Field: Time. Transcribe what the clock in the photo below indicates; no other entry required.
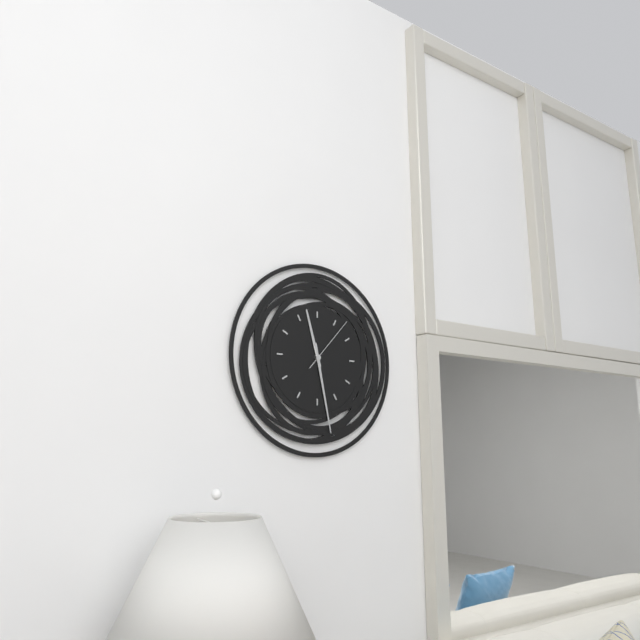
11:28:07
